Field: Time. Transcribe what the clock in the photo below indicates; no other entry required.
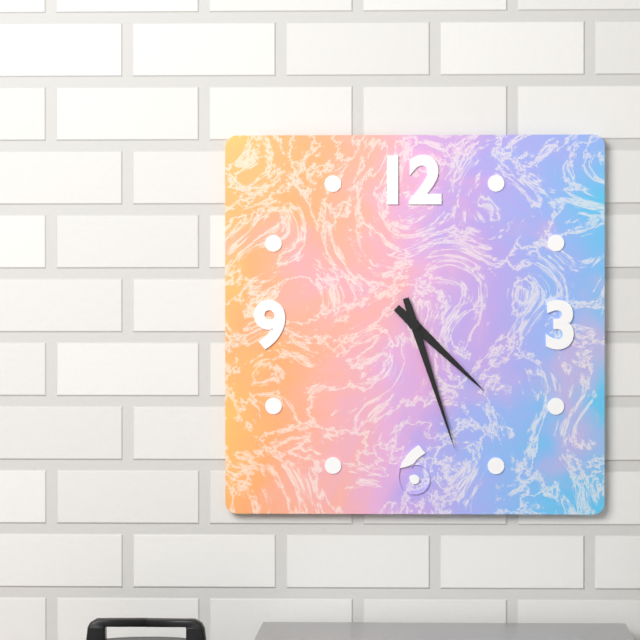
4:27
